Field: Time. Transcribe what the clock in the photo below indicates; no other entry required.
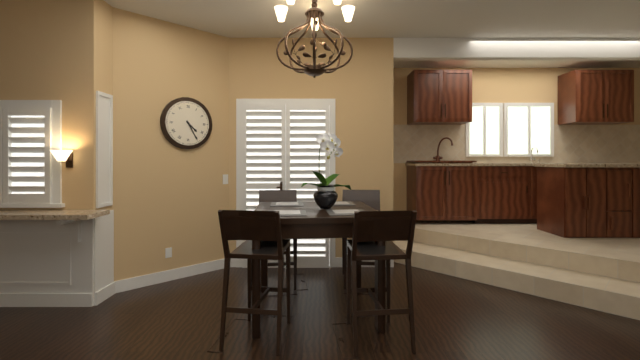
4:25
